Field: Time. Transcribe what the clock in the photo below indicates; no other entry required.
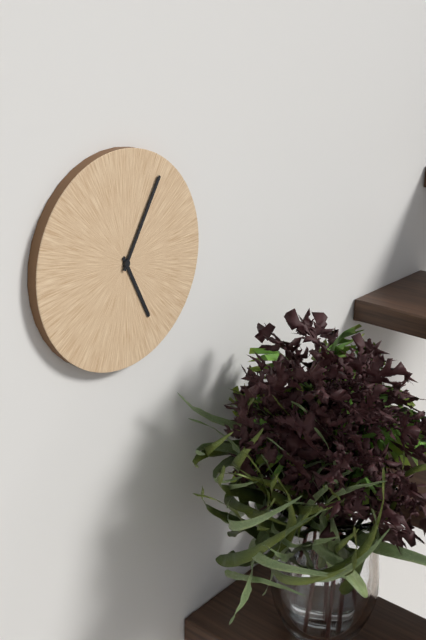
5:05
